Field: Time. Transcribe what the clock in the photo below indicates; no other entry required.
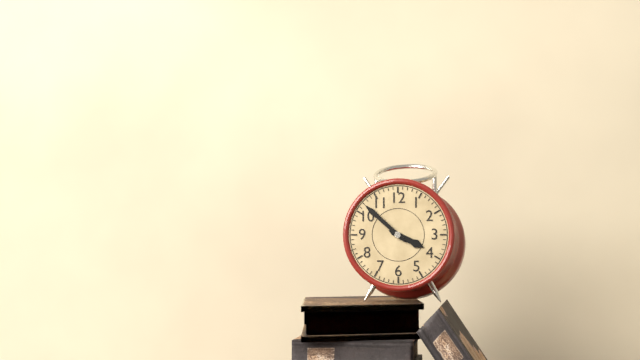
3:52
